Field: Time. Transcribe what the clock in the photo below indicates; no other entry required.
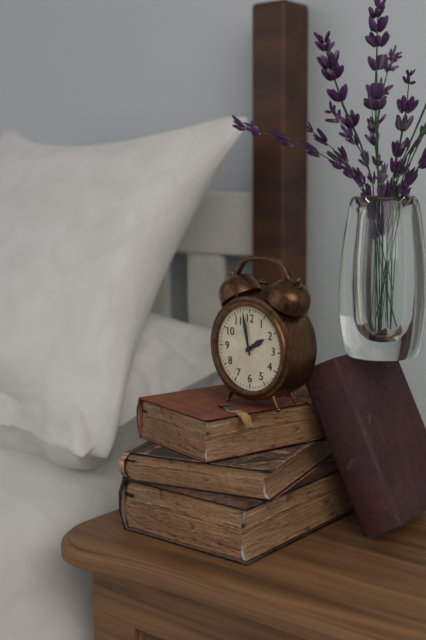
1:58
